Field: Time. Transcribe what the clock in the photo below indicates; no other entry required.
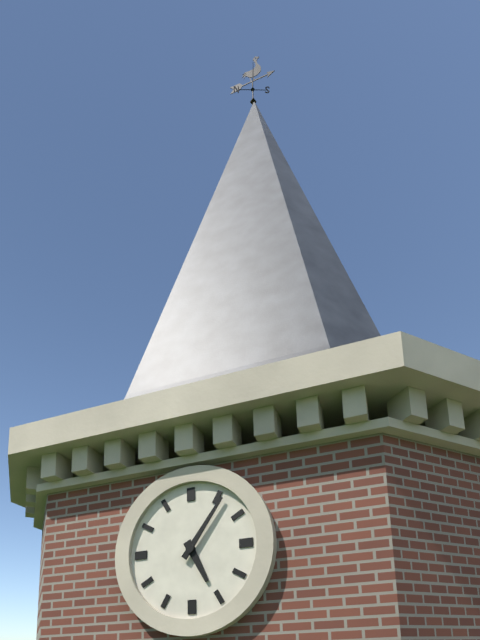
5:06
